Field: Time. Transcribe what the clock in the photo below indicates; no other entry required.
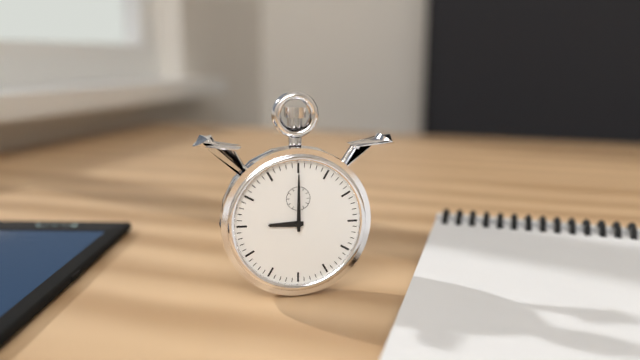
9:00
